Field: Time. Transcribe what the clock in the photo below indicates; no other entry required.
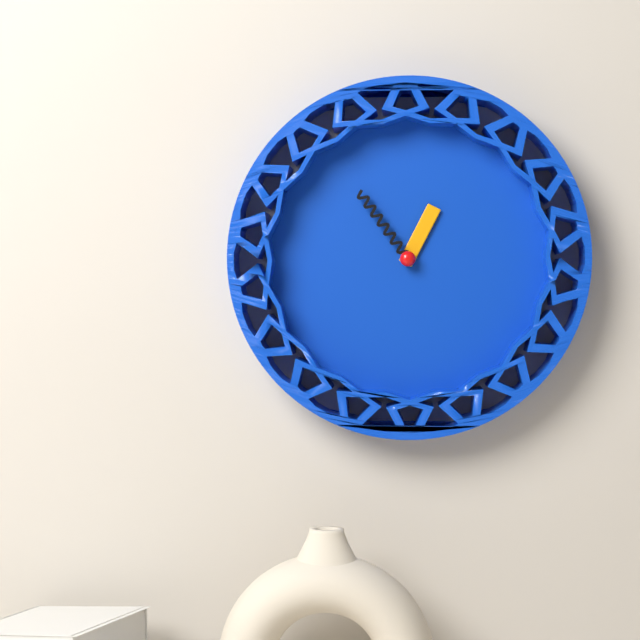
12:54
